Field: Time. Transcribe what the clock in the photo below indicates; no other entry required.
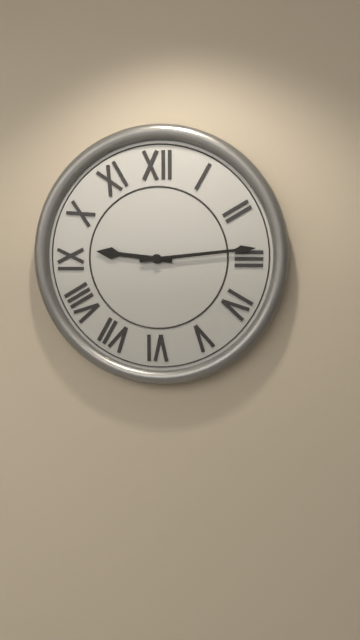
9:14
